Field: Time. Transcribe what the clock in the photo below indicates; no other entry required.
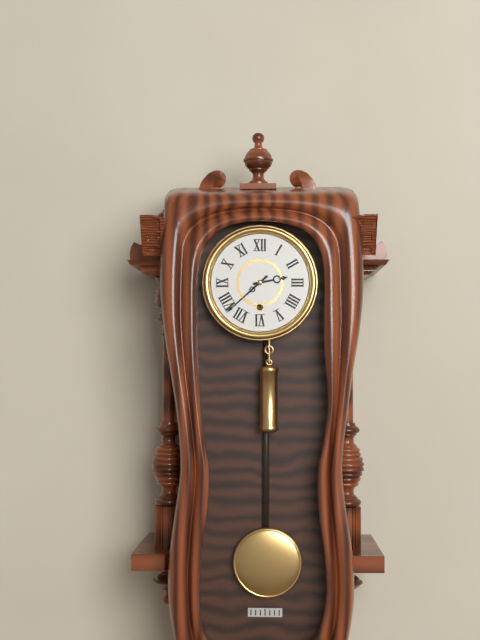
2:38
